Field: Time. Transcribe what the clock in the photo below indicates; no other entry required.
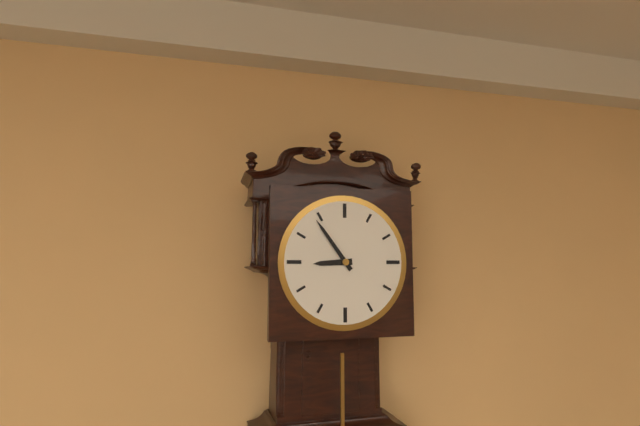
8:54
